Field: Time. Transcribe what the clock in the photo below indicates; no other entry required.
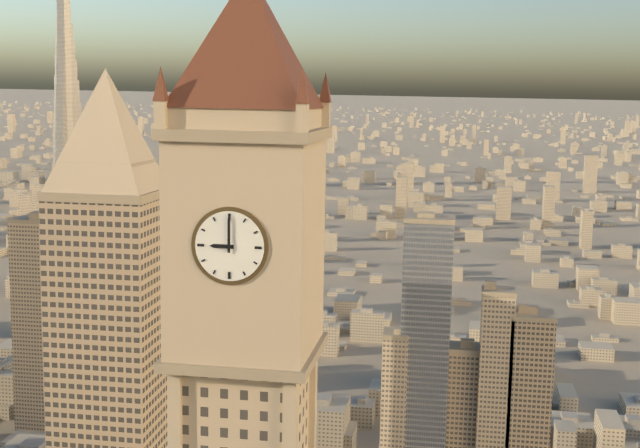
9:00
